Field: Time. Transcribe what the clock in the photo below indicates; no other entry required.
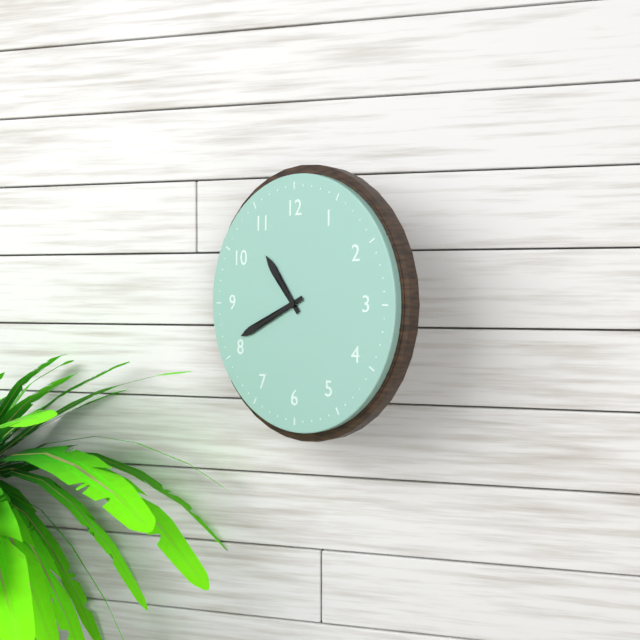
10:41
